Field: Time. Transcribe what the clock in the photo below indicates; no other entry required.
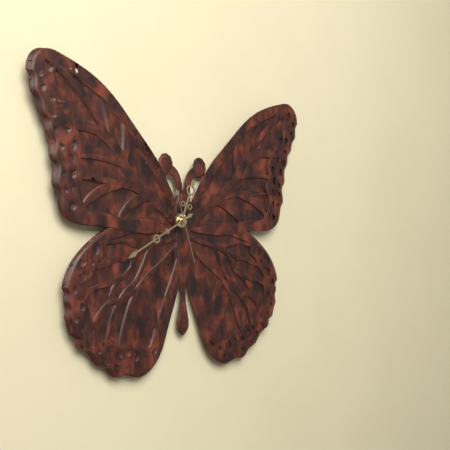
12:40:27
